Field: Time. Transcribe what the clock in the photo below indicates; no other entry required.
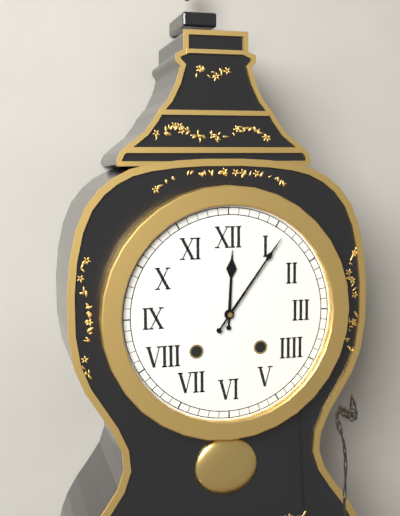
12:06
